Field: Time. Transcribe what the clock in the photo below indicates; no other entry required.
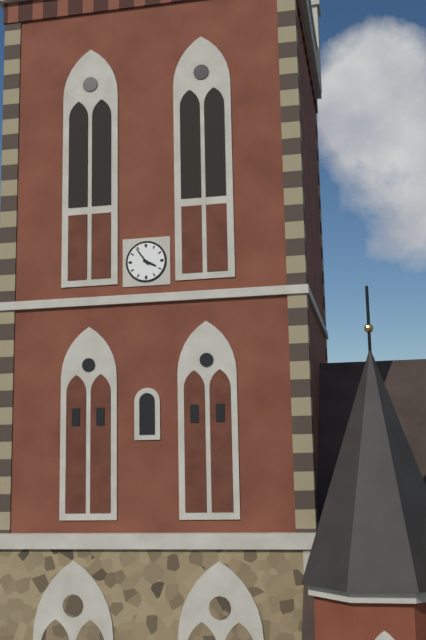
3:54
